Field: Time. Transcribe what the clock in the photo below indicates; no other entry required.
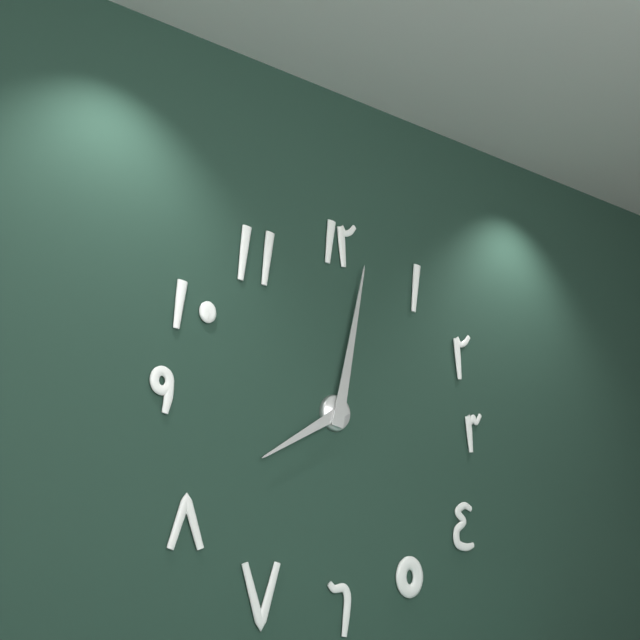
8:02
